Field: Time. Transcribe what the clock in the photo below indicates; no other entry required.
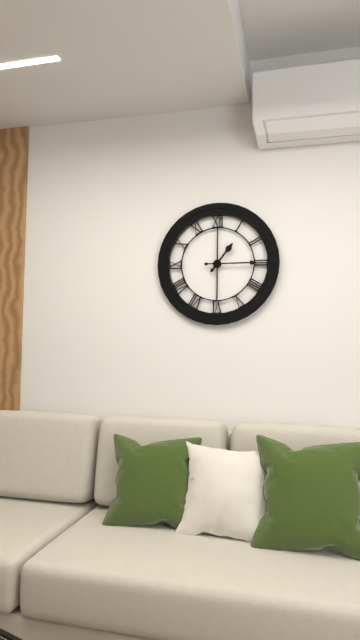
1:15
